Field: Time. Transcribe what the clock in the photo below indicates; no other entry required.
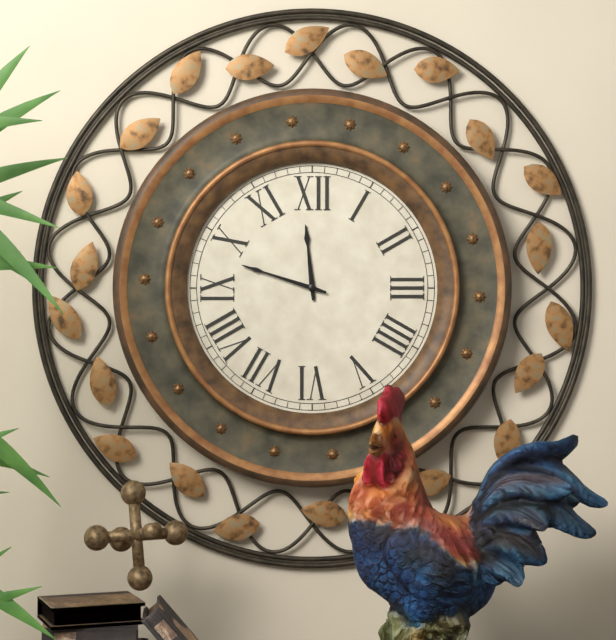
11:48
